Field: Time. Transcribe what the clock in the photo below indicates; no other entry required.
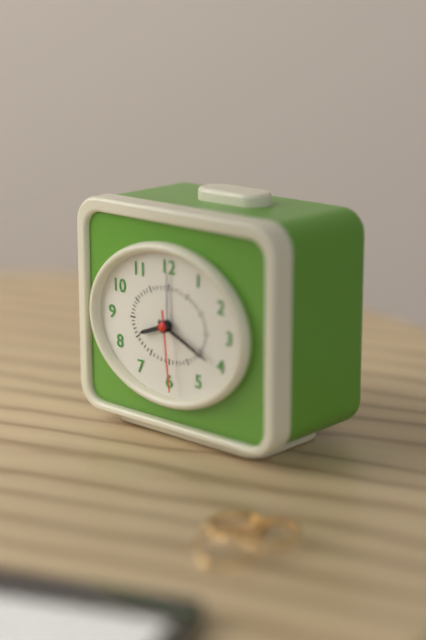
8:19:29
